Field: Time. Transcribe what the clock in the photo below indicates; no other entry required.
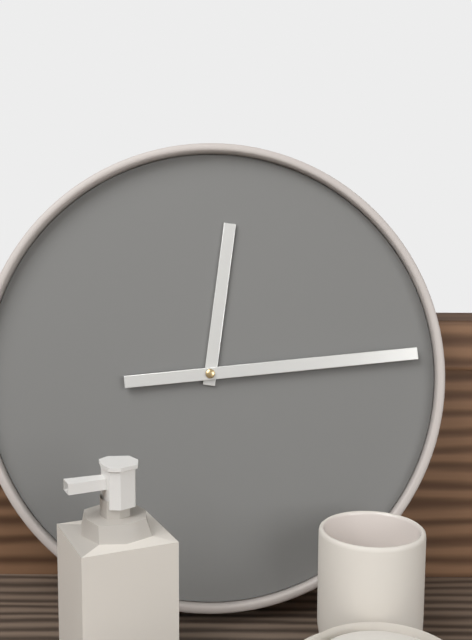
12:14
